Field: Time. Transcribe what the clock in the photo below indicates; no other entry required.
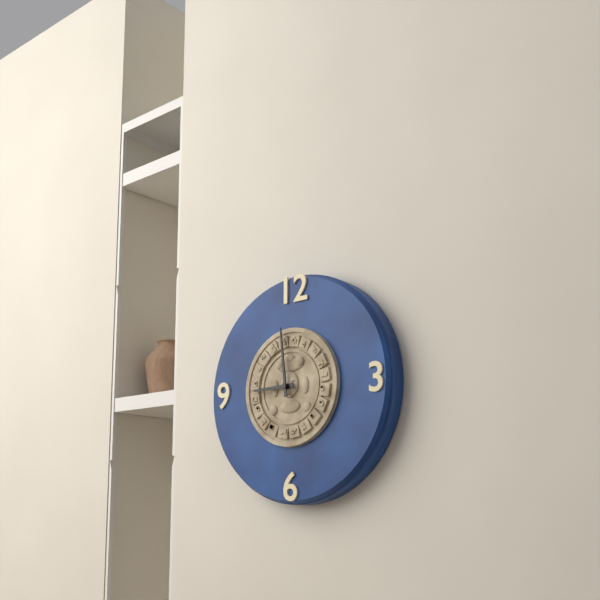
8:59
